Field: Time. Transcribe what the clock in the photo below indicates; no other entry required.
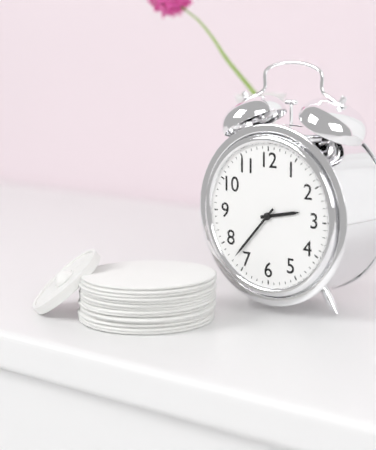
2:37
